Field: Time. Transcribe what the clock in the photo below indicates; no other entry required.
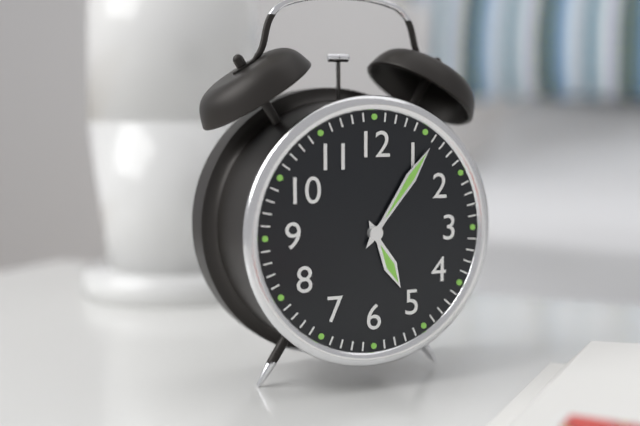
5:06
